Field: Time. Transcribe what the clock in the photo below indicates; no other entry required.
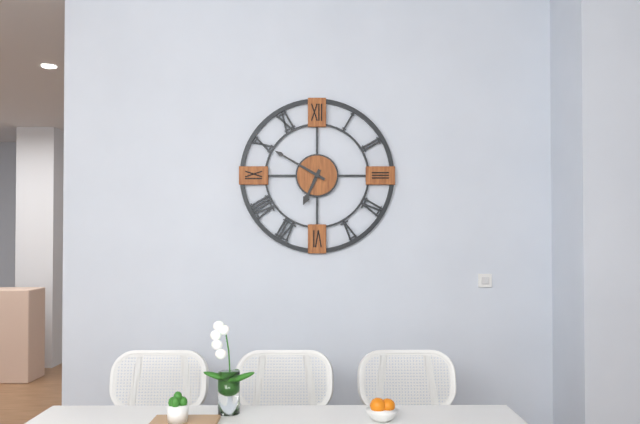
6:50
